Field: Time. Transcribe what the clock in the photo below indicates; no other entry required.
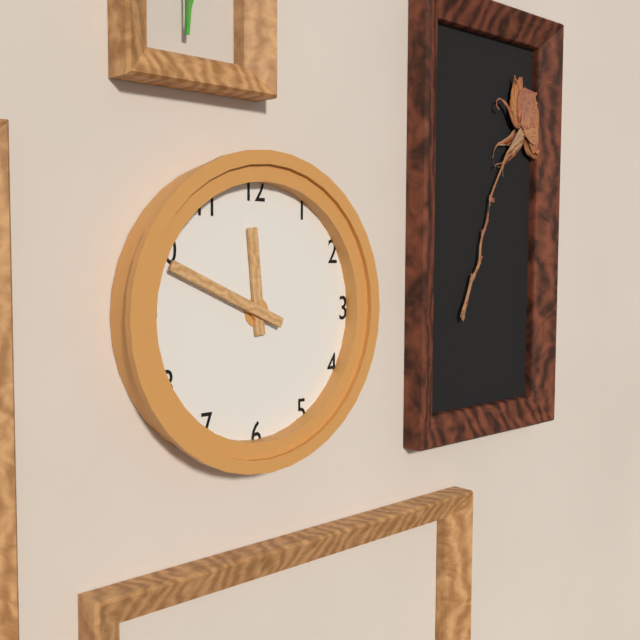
11:49
